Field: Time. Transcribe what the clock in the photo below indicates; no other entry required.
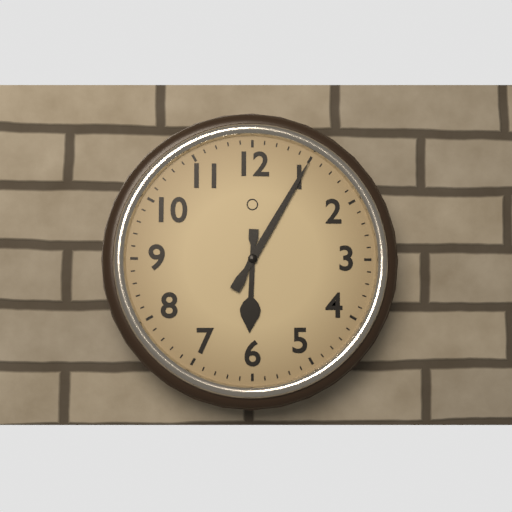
6:05
